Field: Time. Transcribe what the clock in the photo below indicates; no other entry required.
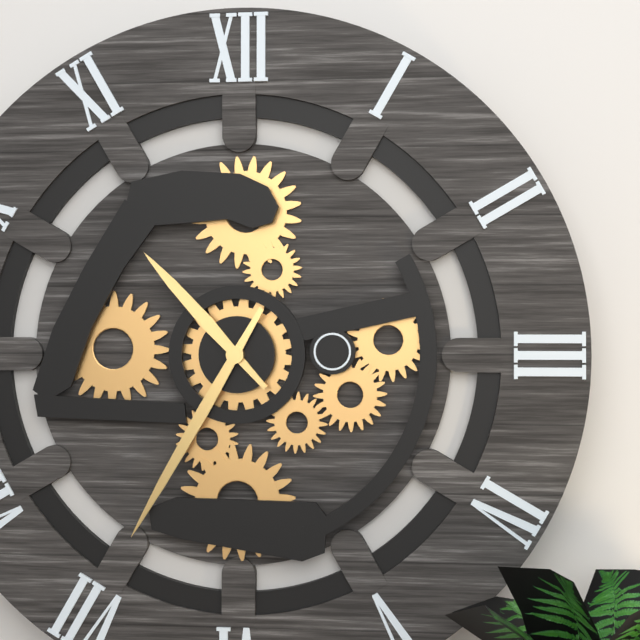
10:35
